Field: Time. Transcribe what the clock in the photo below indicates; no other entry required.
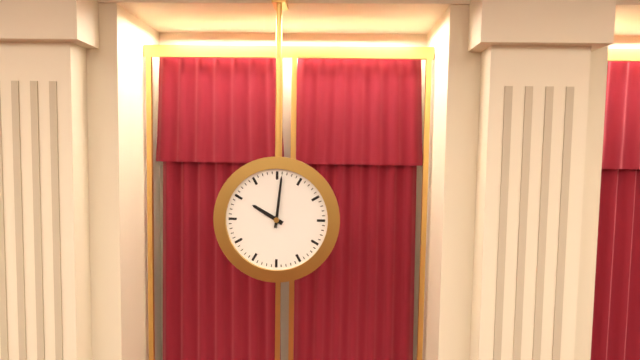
10:01
